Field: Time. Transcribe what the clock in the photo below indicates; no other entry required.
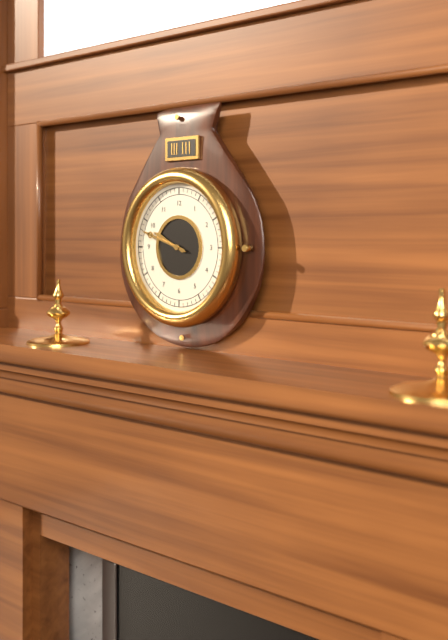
9:48
